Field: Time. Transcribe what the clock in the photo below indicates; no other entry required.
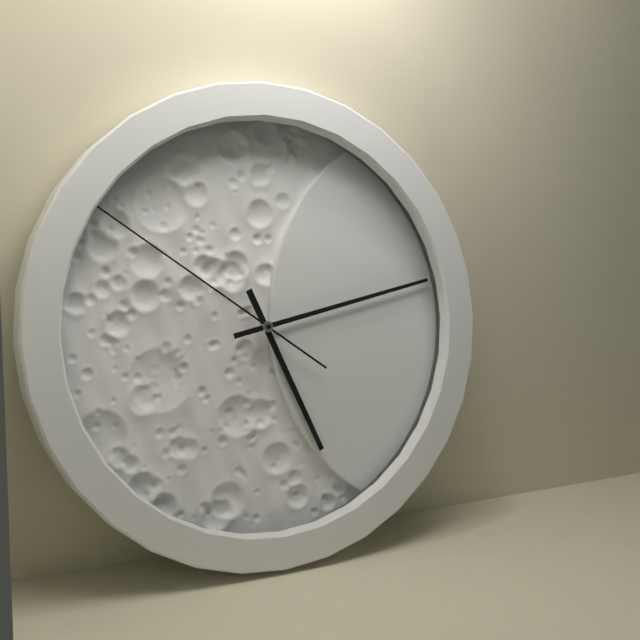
5:13:51
